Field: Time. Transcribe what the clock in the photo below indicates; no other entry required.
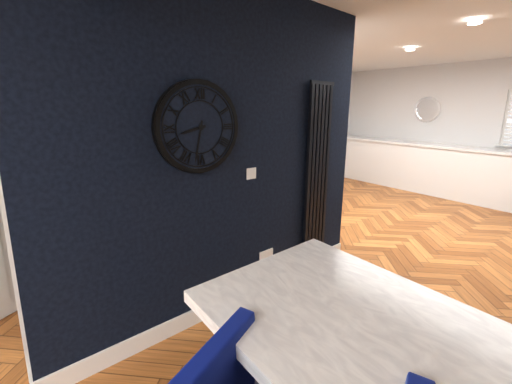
8:32
